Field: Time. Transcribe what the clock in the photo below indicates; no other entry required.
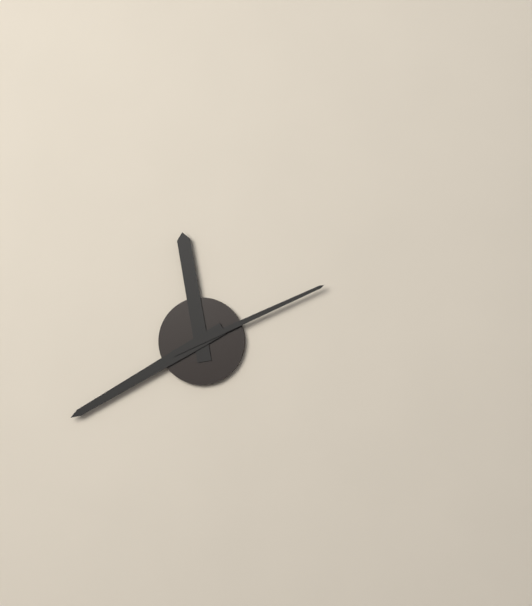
11:40:11
